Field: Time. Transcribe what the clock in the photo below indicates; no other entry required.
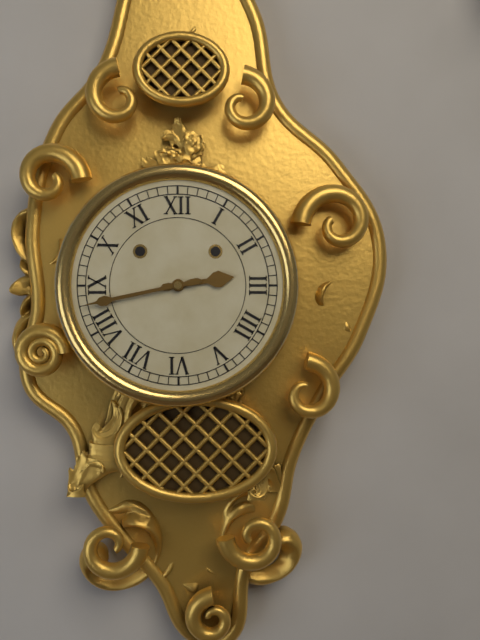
2:43
